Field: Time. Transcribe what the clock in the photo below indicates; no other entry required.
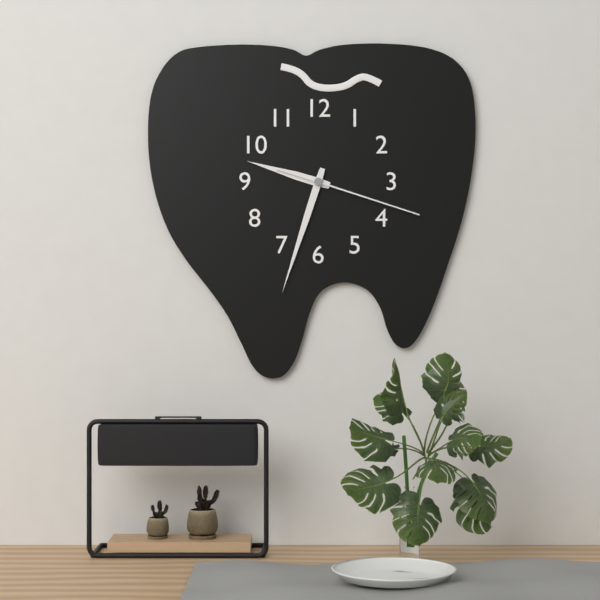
9:33:18
